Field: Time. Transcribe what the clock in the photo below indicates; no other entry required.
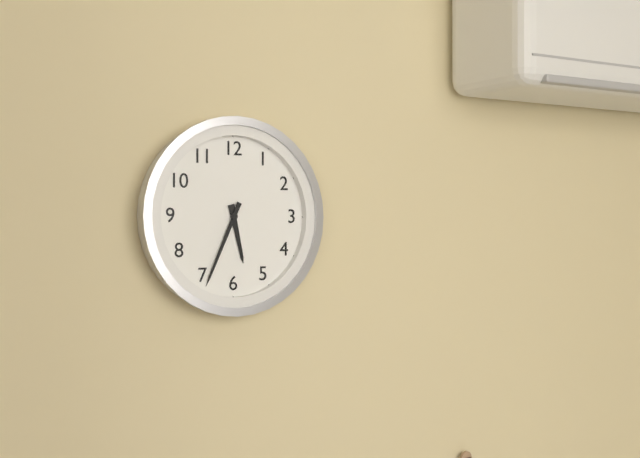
5:34
